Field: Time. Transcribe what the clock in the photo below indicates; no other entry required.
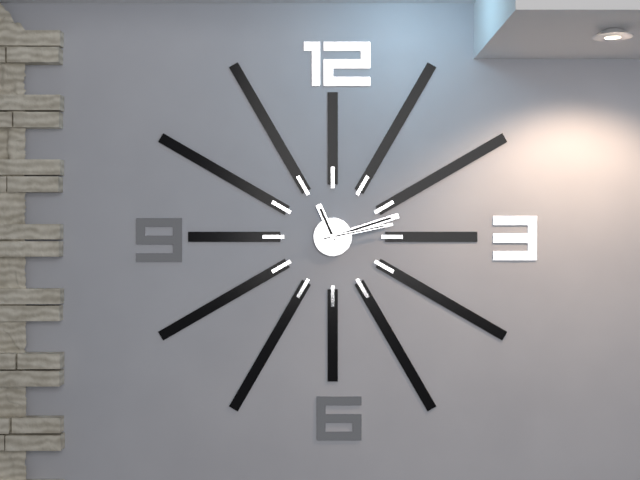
11:12:13
